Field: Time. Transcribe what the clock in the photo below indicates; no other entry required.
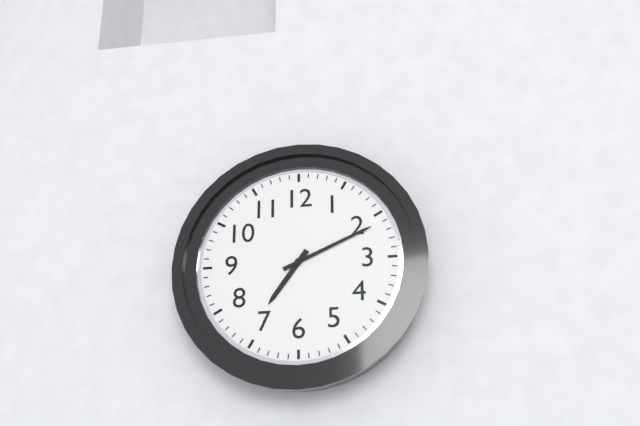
7:11
